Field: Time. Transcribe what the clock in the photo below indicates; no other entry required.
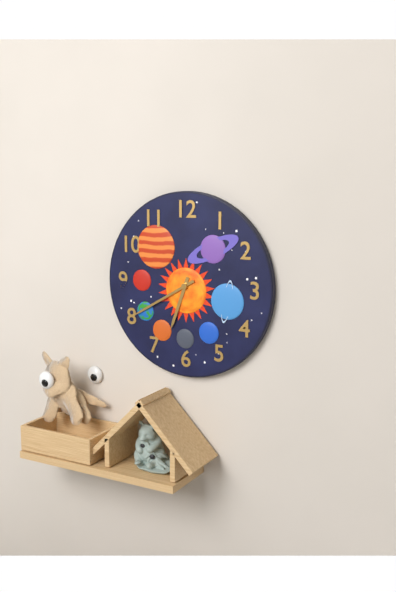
6:40
